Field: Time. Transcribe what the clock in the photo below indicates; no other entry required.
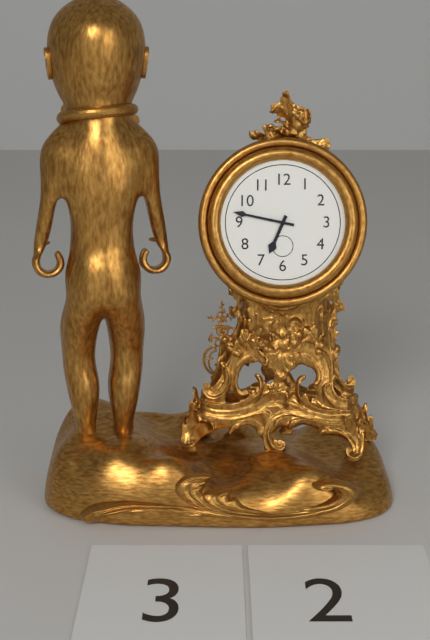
6:47
